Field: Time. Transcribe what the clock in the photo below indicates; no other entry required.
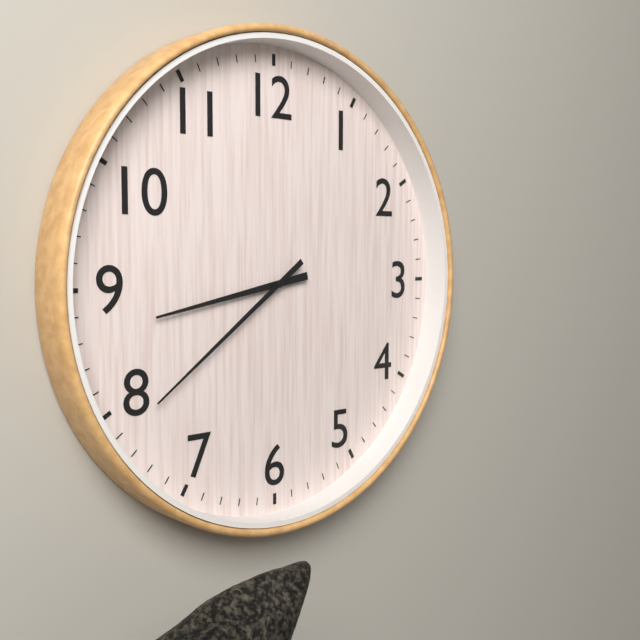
8:39
